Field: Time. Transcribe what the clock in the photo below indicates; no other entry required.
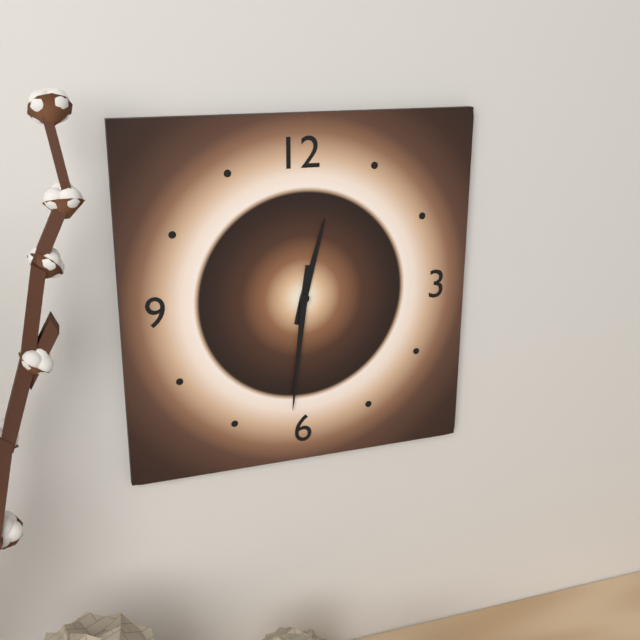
12:31
